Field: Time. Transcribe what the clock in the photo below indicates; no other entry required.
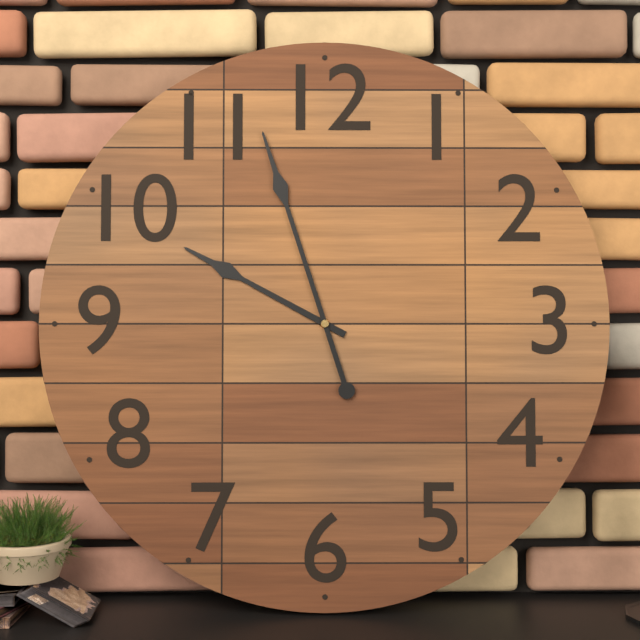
9:57
